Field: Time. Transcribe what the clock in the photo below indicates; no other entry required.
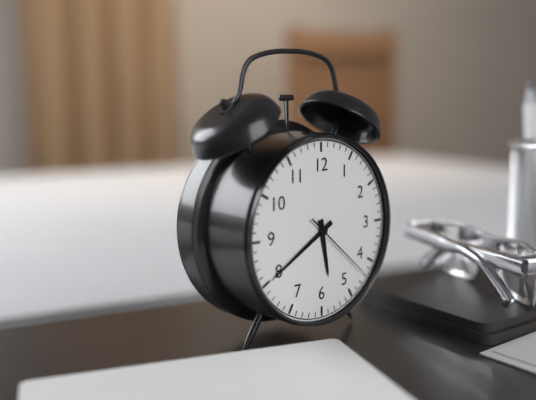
5:40:22
